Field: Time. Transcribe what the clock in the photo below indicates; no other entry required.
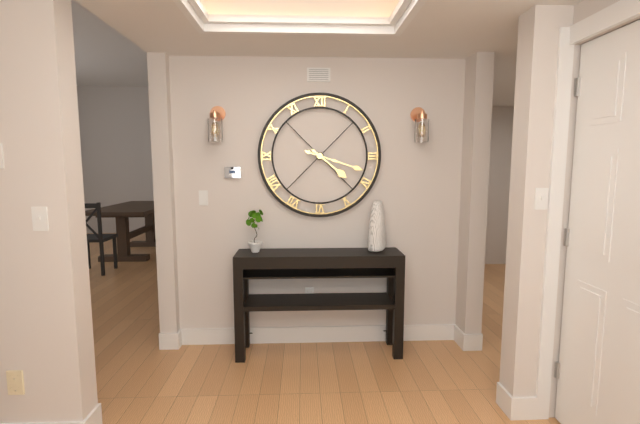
4:18
